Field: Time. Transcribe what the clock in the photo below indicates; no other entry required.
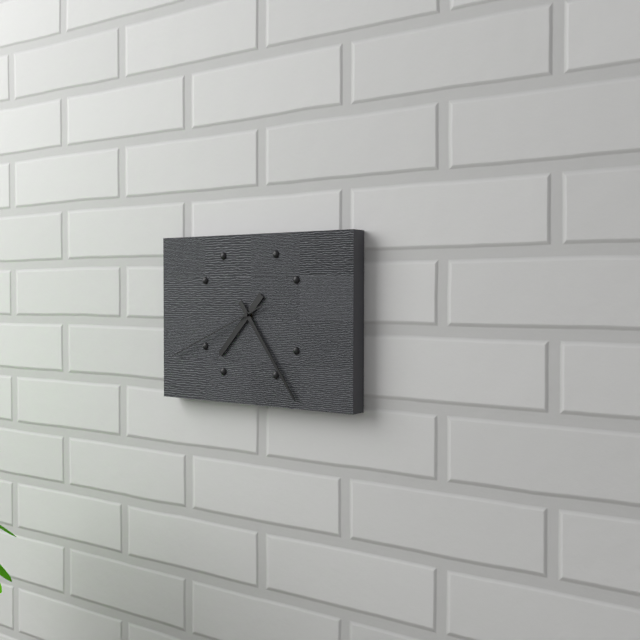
7:24:41
